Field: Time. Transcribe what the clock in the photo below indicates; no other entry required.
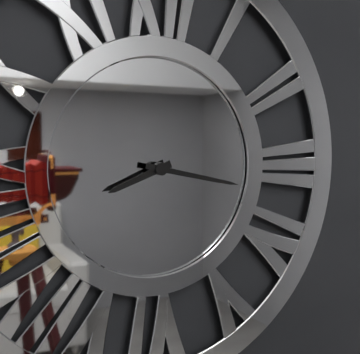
8:17
